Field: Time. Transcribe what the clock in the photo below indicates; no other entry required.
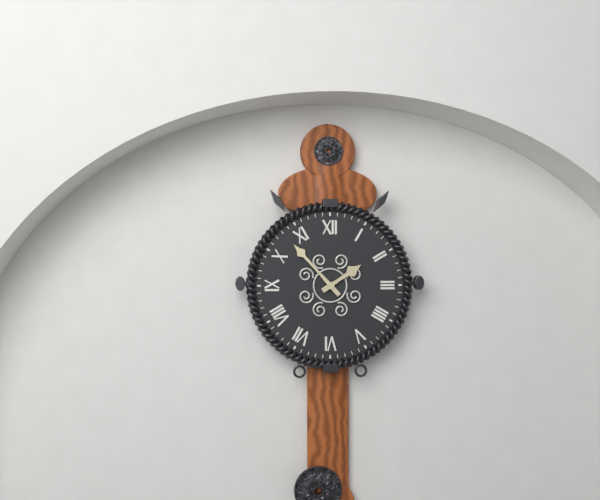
1:53
